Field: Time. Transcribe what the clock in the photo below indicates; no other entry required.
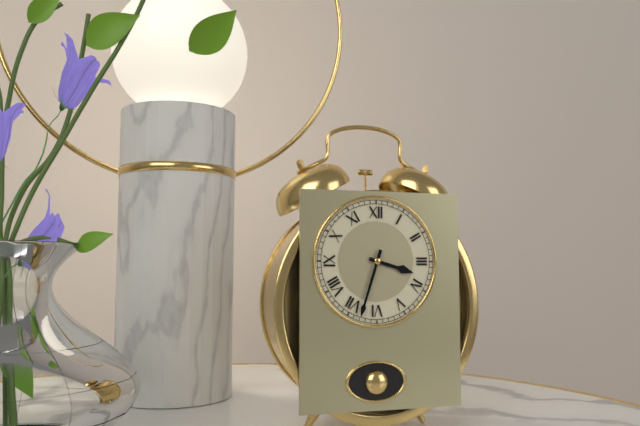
3:33
